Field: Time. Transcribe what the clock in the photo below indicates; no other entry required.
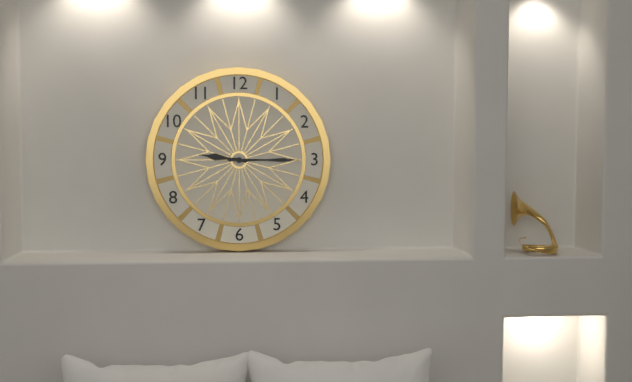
9:15
